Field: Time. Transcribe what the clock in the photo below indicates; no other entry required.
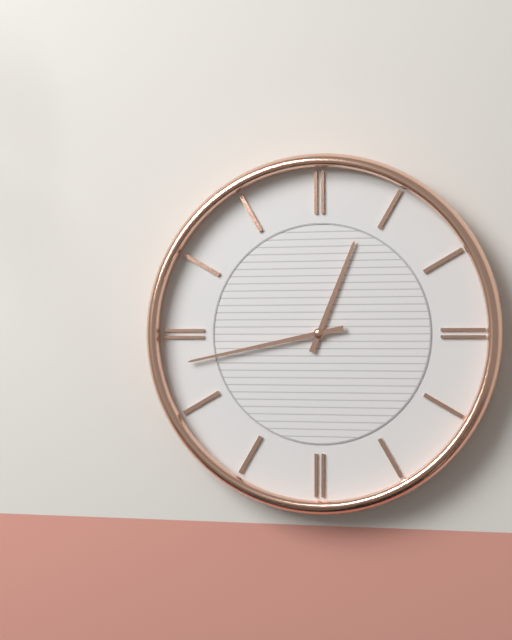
12:43
